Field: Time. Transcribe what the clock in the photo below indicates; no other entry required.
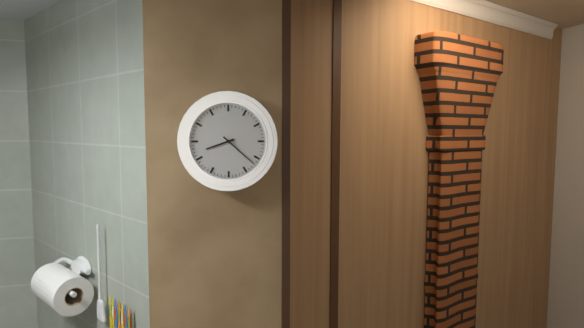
8:22
